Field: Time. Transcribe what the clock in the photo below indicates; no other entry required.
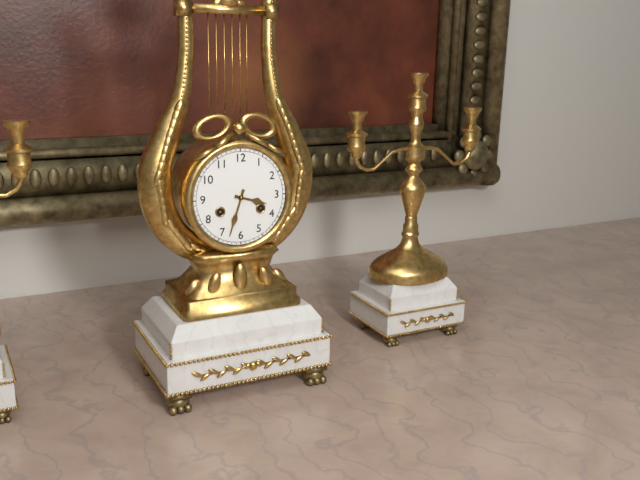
3:33
